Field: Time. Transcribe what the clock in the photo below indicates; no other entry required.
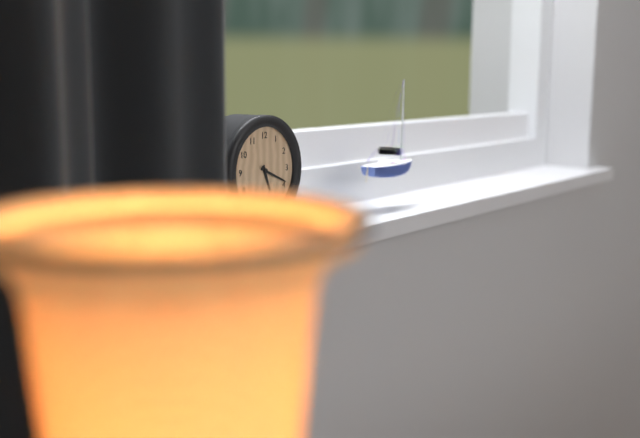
5:19
